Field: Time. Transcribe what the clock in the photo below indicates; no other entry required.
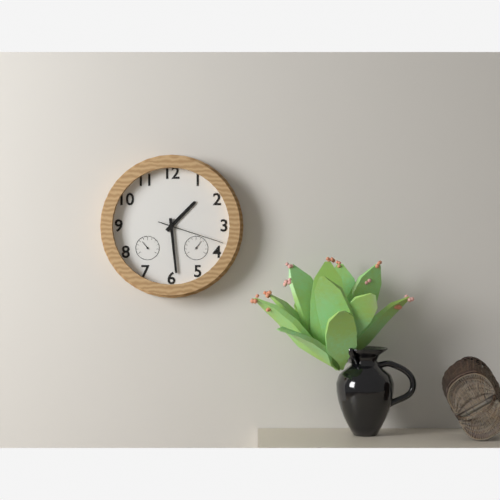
1:29:18
